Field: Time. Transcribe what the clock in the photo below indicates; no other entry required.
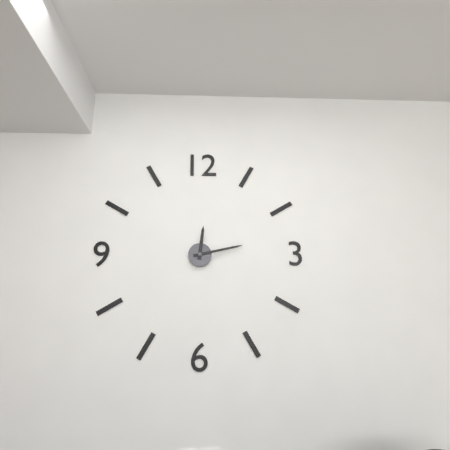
12:13
